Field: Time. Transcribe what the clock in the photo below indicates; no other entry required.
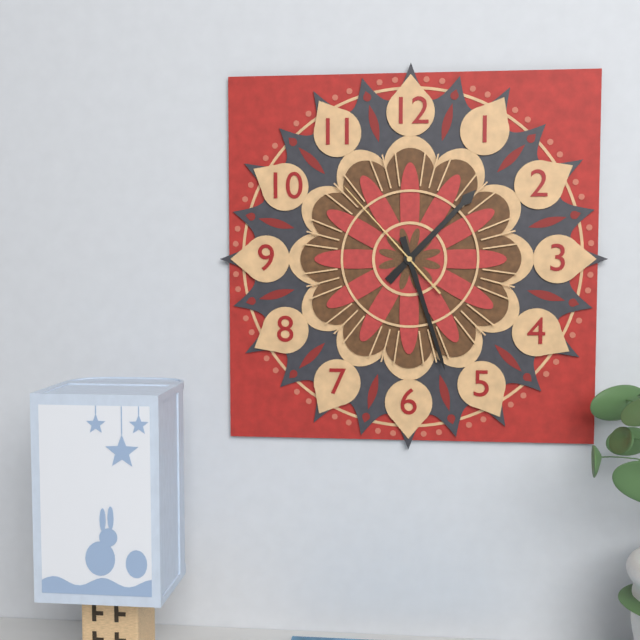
1:27:53
